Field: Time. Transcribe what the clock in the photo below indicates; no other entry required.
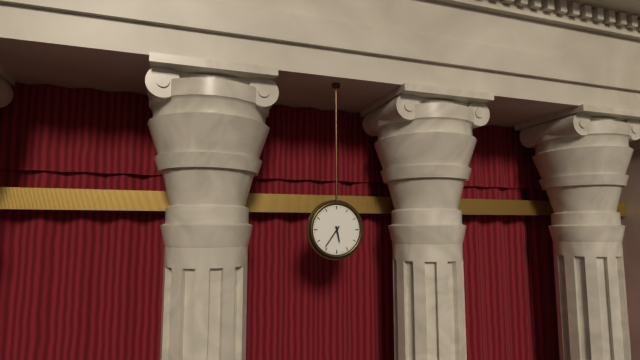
5:36
